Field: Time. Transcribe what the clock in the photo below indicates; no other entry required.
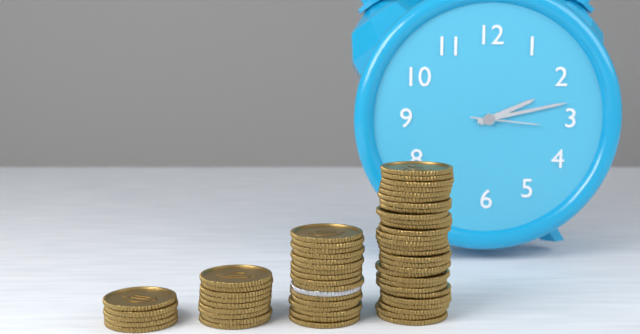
2:13:16
